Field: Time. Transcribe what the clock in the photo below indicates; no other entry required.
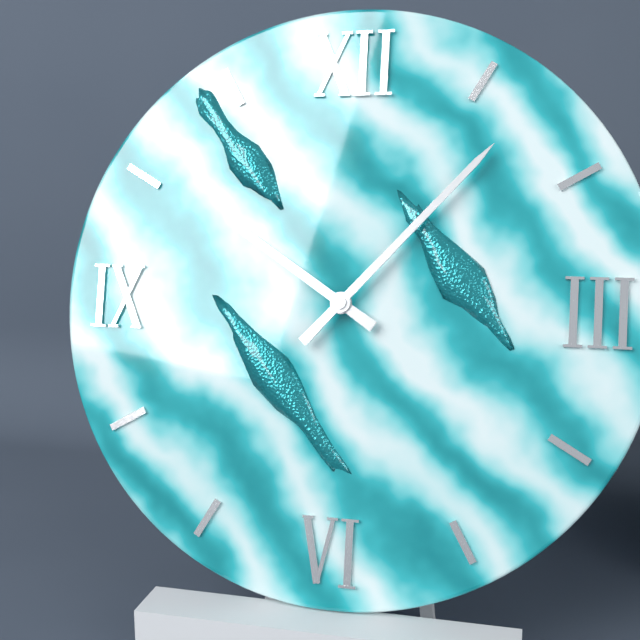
10:07
